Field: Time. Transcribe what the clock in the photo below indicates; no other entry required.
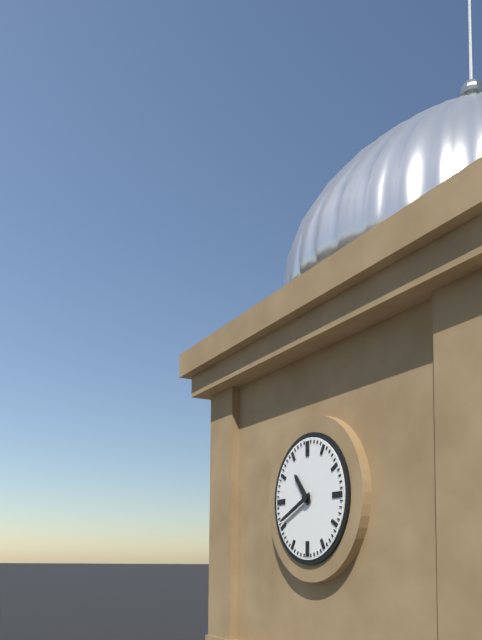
10:41
